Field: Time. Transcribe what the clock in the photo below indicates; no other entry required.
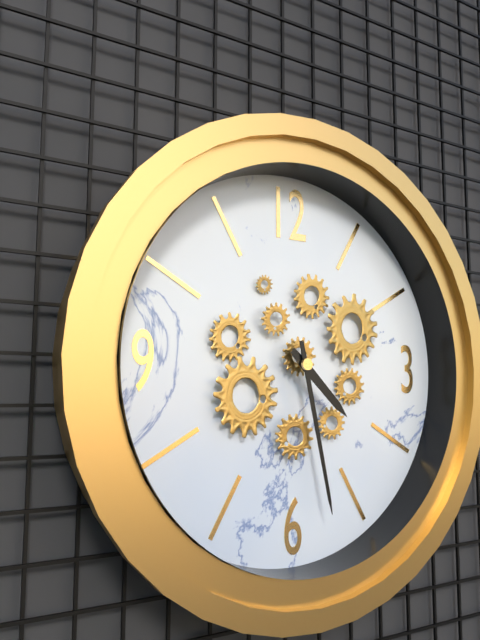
4:28
